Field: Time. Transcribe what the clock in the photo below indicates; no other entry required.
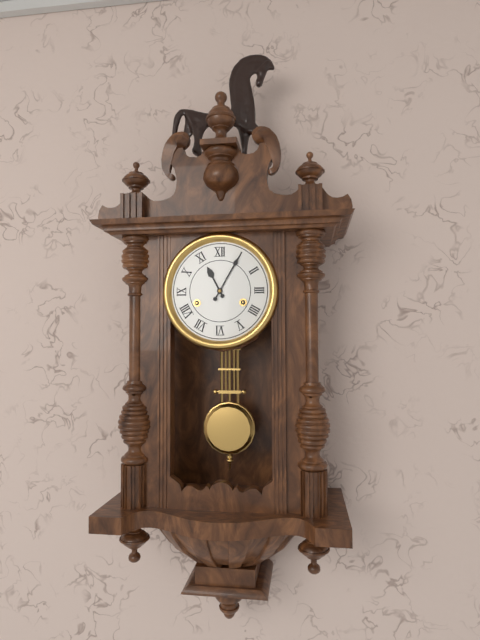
11:05
